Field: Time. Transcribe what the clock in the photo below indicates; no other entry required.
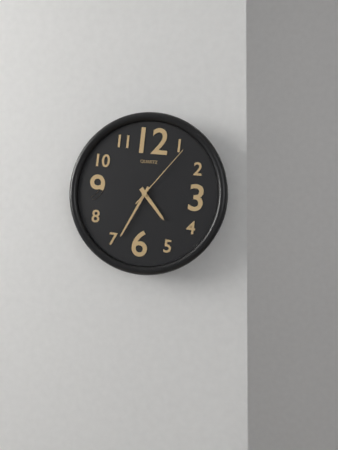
4:34:06
